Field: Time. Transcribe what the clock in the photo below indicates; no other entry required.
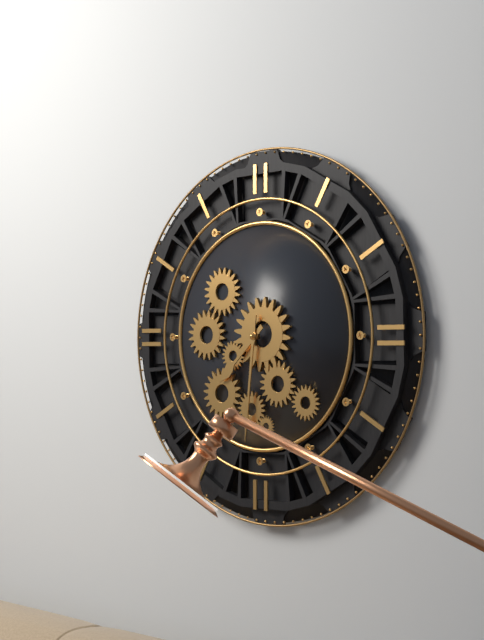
7:31
